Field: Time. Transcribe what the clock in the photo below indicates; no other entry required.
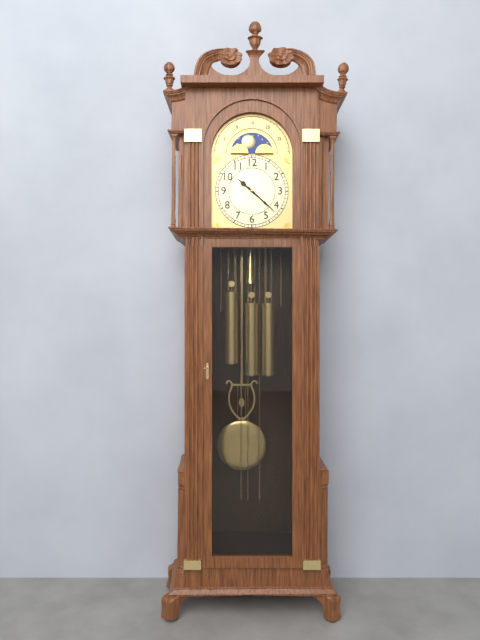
10:22
